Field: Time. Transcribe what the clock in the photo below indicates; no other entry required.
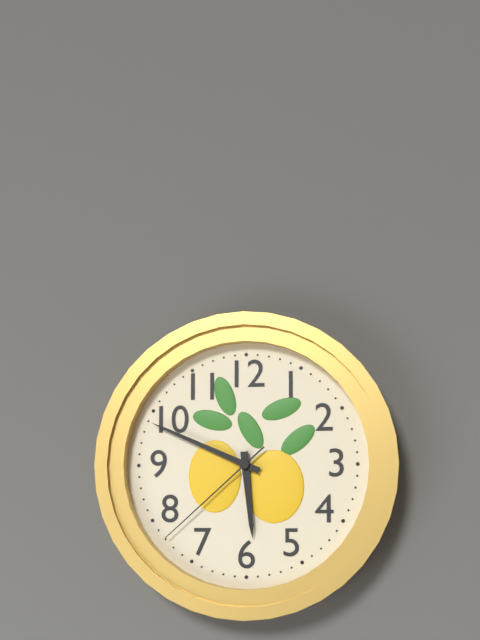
5:49:38
